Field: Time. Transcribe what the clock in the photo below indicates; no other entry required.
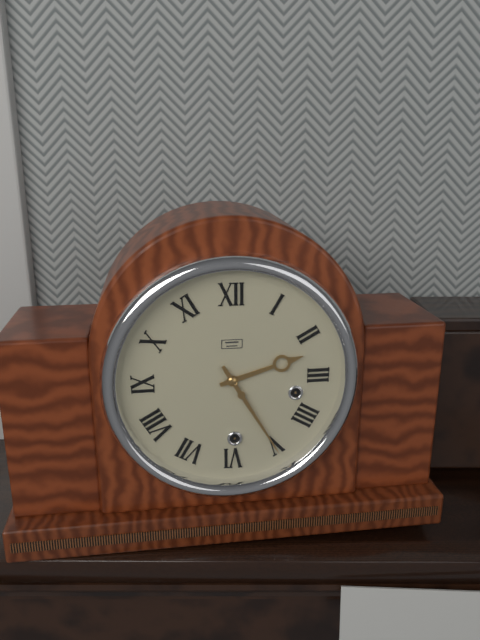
2:25
